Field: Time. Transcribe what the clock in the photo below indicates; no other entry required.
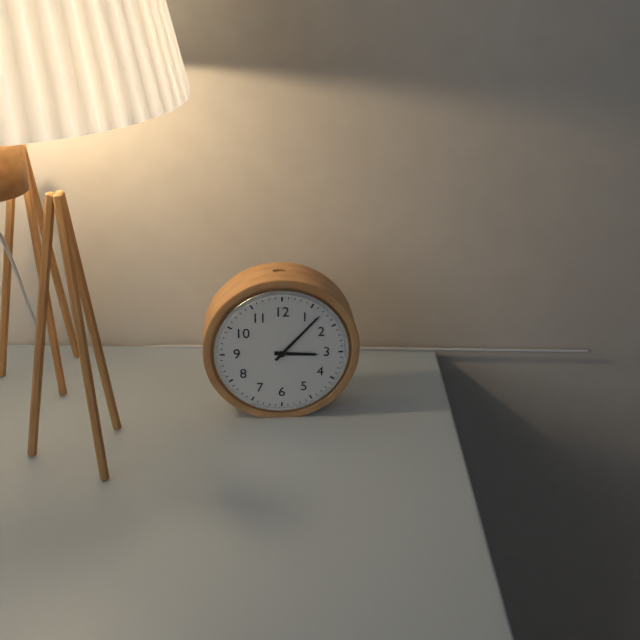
3:07
